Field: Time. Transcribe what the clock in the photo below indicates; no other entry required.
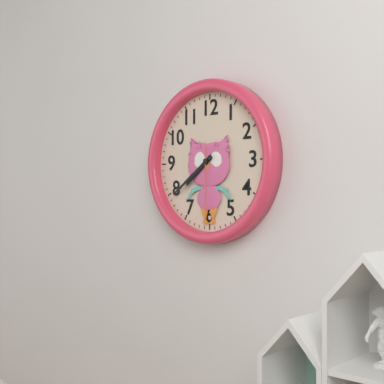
7:39:30
